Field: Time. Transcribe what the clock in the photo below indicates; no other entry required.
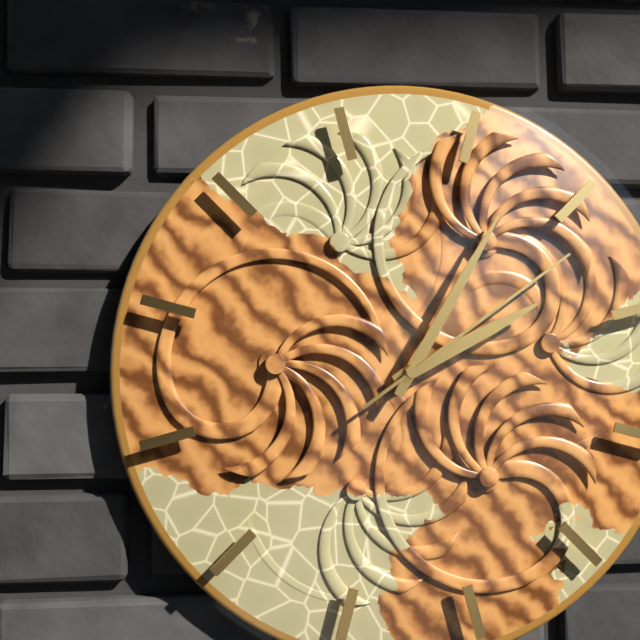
2:05:09
